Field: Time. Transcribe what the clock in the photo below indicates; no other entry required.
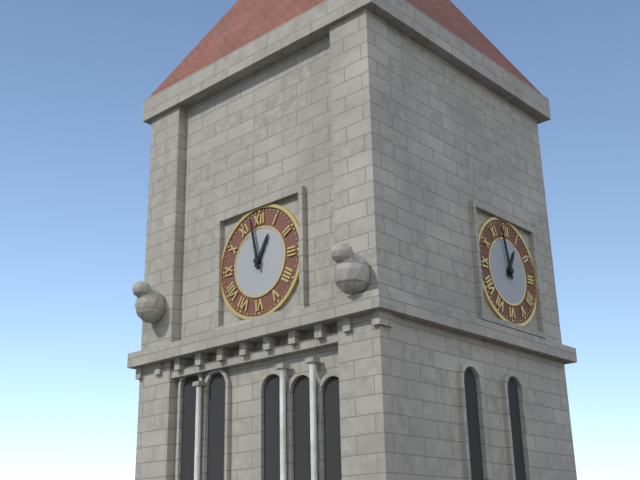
12:58
